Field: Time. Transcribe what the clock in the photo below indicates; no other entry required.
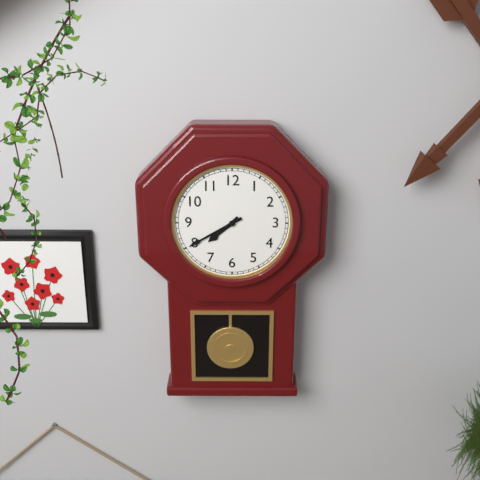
7:40
